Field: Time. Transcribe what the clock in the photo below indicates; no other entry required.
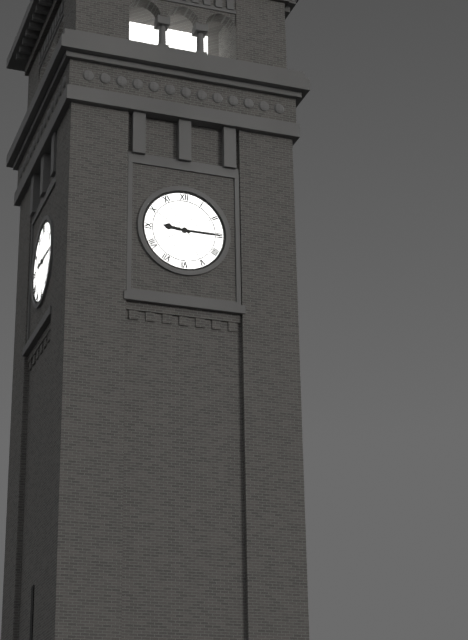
9:15
